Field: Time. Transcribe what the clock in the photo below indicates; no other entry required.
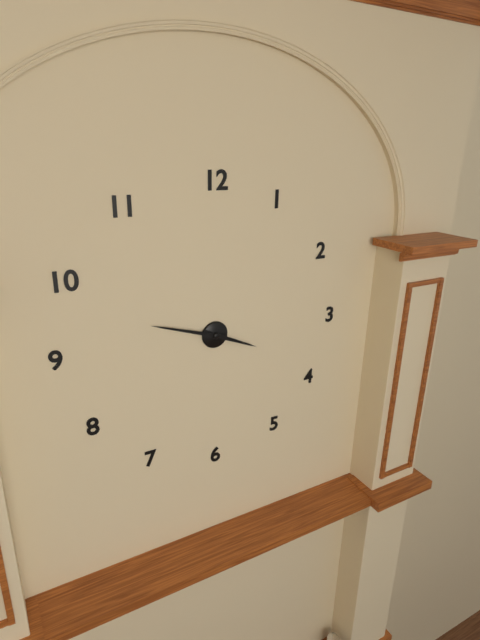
3:48
